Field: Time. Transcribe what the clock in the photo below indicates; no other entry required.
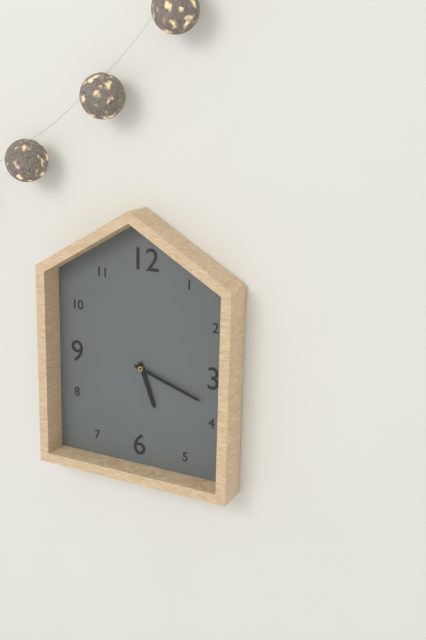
5:18
